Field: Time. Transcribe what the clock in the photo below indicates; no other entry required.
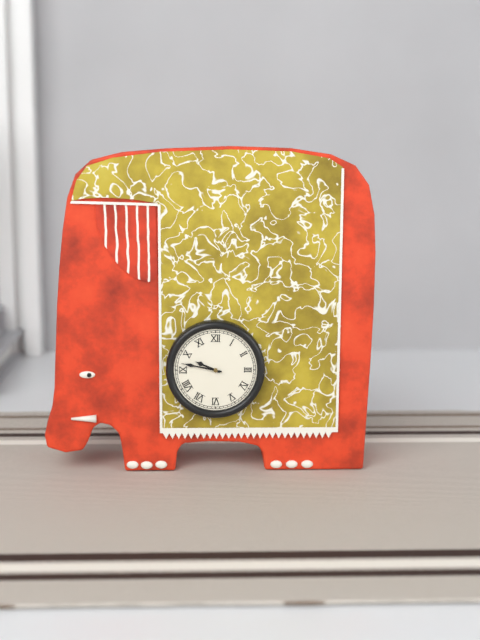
9:47
